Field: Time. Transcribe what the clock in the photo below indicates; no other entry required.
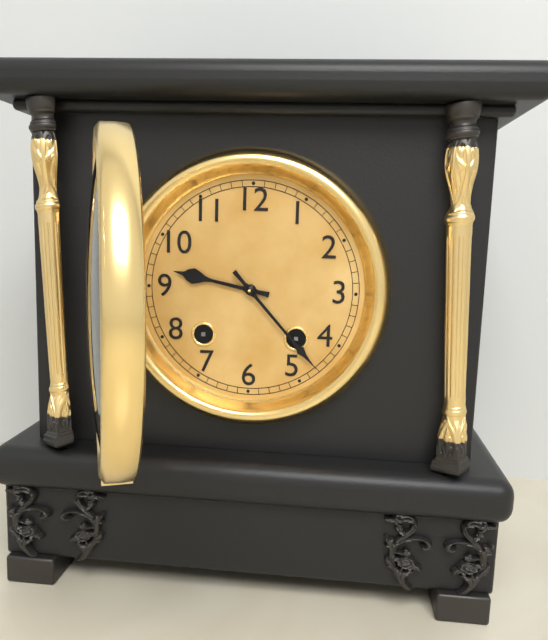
9:23
